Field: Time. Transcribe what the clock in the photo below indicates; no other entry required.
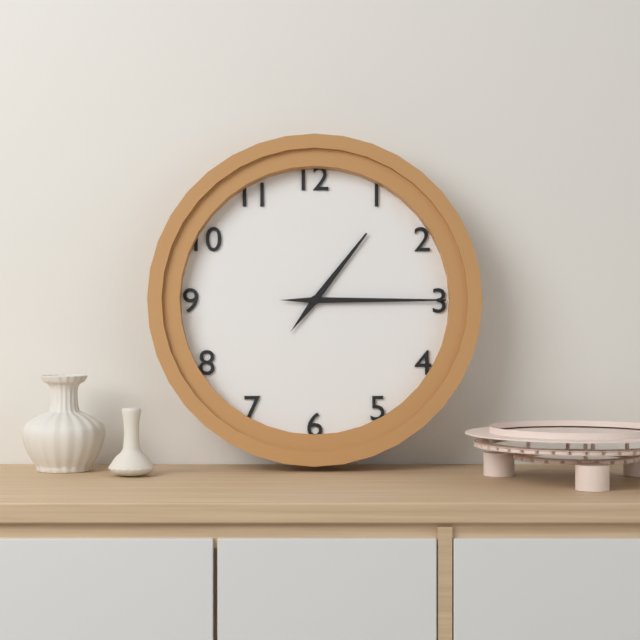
1:15
